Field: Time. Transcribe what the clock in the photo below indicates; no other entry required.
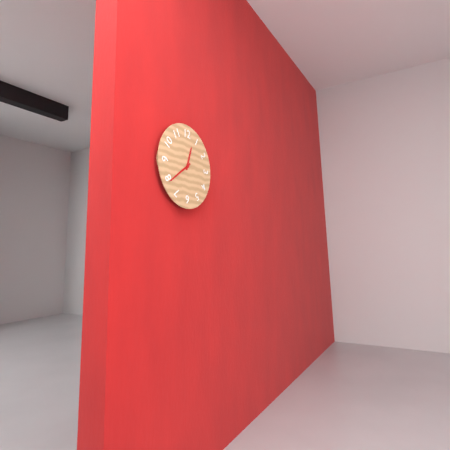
12:39
